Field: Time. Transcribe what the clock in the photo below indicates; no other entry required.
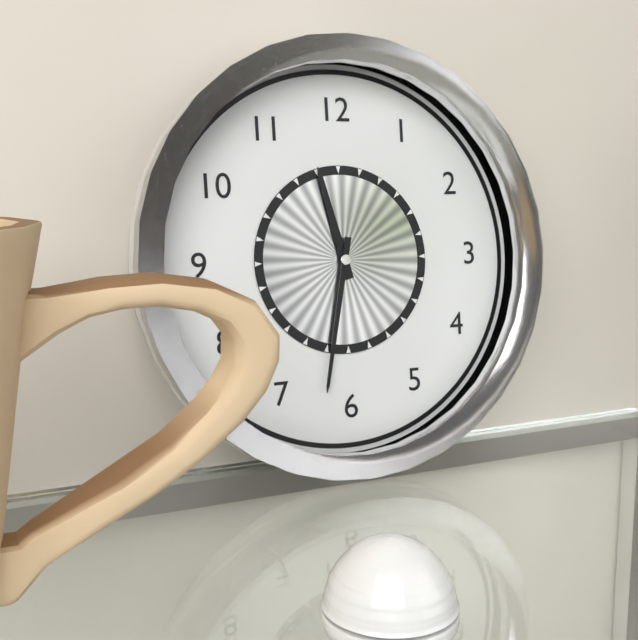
11:32
